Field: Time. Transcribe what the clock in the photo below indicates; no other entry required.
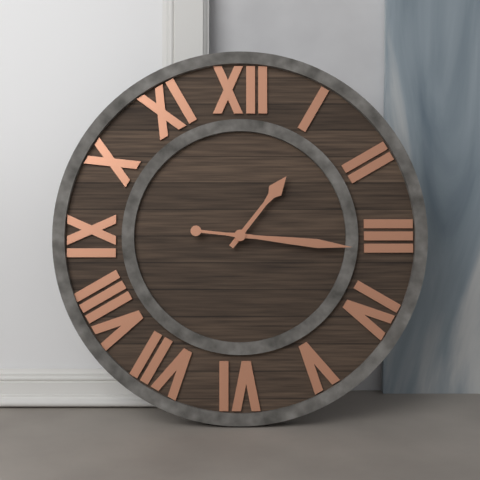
1:16
